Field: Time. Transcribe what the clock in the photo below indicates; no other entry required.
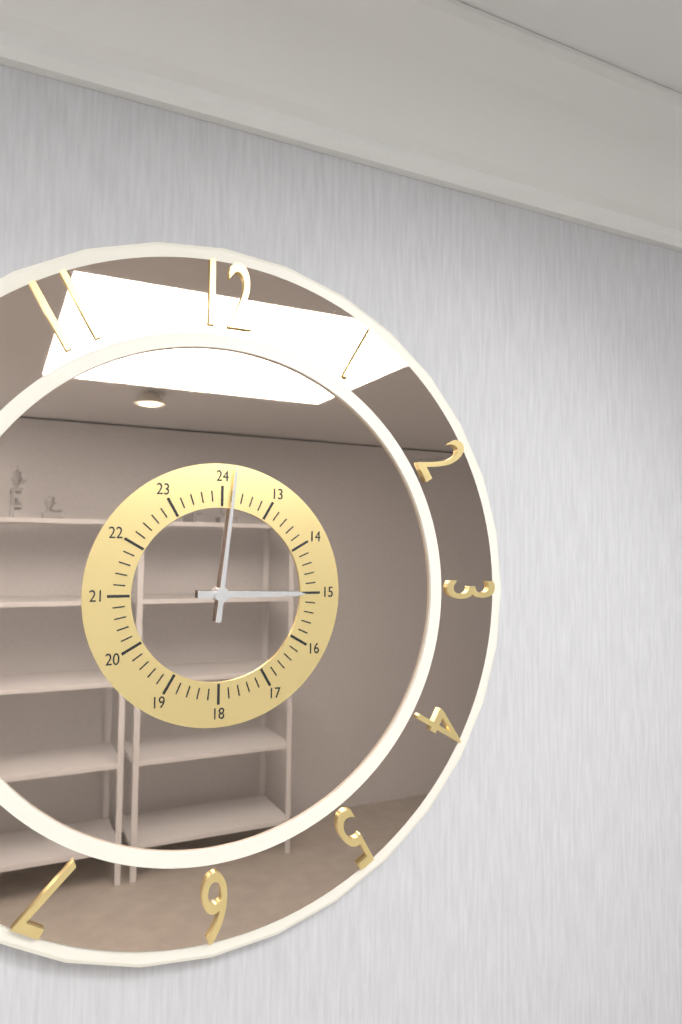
3:01
